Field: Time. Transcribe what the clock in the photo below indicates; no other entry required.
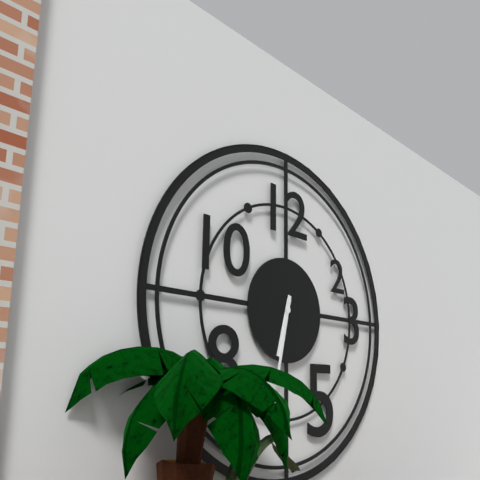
6:32
